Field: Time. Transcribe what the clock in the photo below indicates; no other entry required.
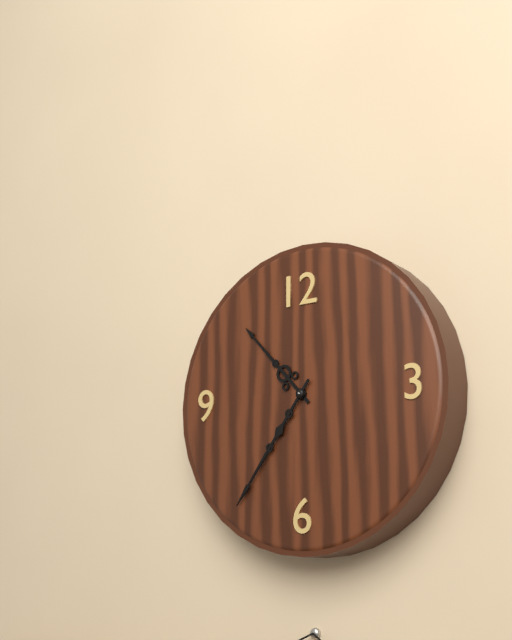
10:36
